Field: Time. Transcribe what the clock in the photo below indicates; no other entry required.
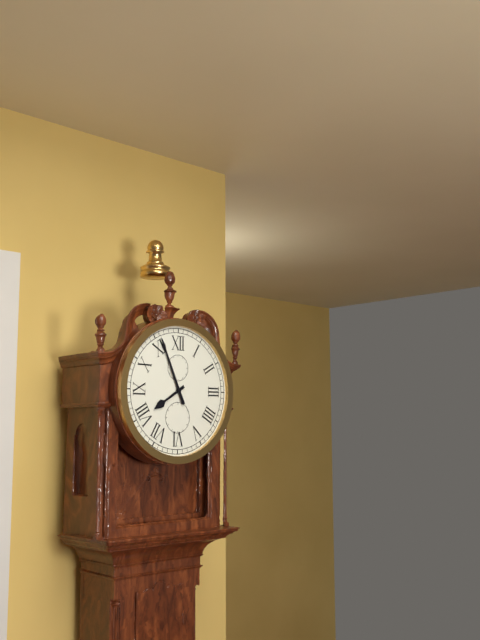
7:56
